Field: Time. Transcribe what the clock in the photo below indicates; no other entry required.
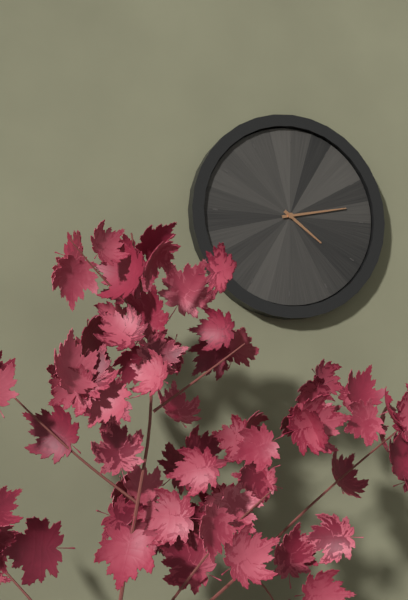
4:13
